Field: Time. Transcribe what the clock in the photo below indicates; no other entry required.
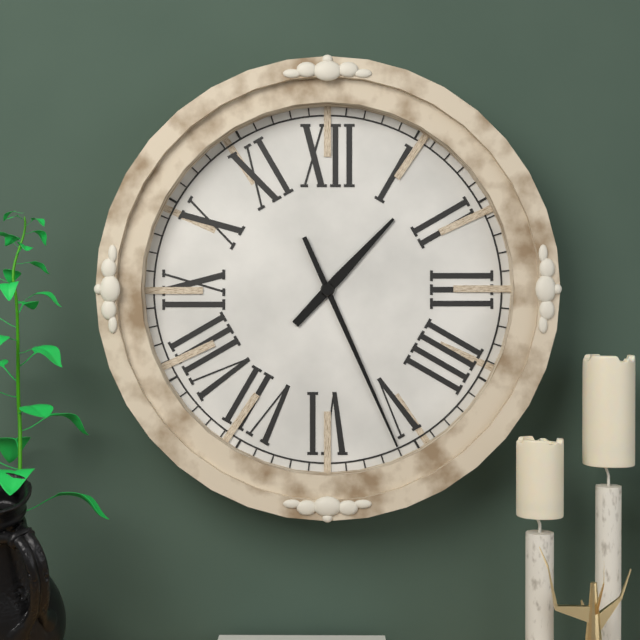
1:26
